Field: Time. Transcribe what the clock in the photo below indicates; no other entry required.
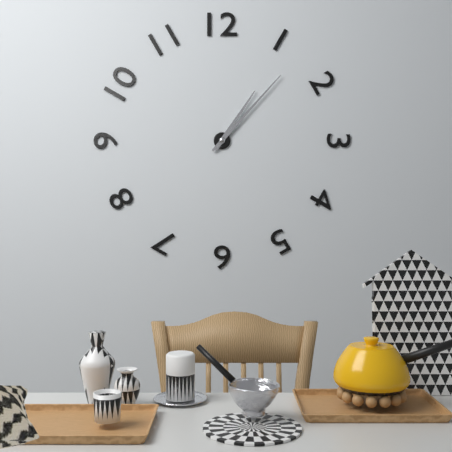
1:07
